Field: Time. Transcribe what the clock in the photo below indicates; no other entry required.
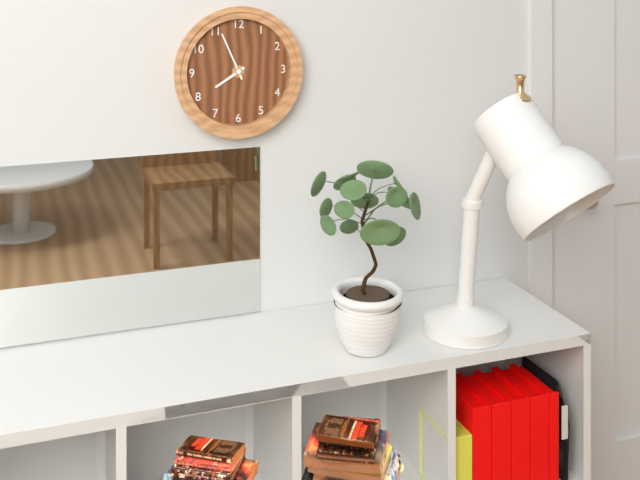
7:56
